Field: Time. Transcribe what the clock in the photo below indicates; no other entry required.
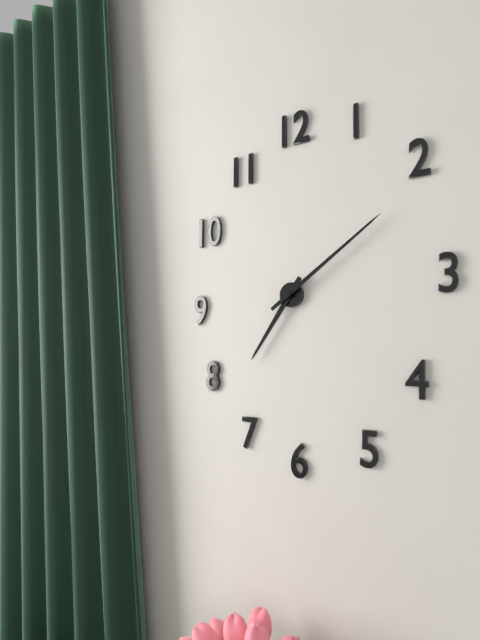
7:09
